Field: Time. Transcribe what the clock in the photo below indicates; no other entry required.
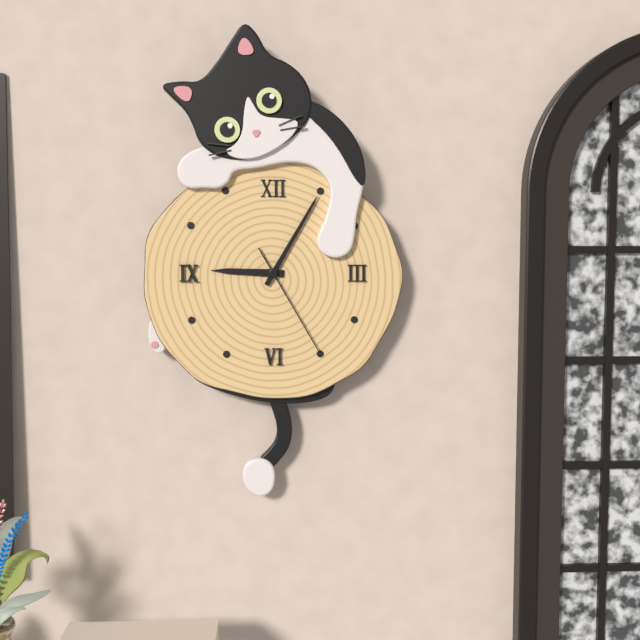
9:05:25
